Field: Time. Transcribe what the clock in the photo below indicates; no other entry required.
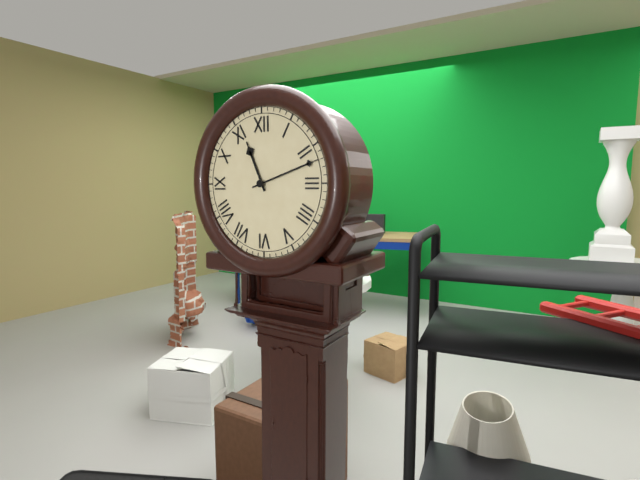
11:12
